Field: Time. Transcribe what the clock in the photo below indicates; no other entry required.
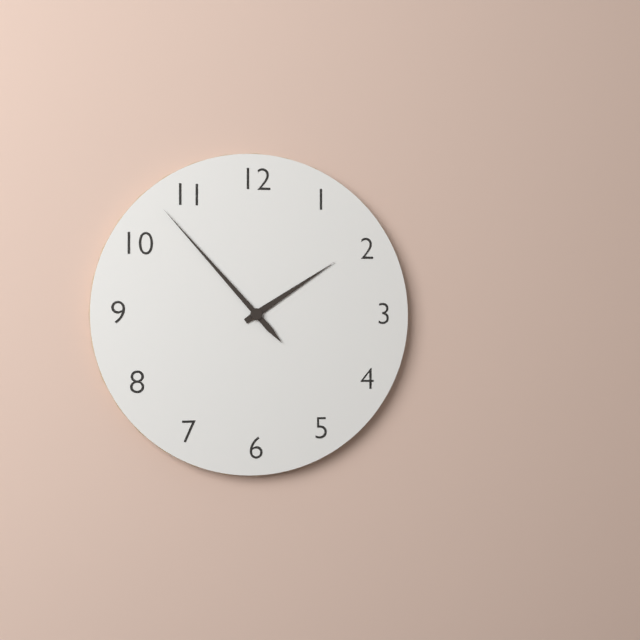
1:53
